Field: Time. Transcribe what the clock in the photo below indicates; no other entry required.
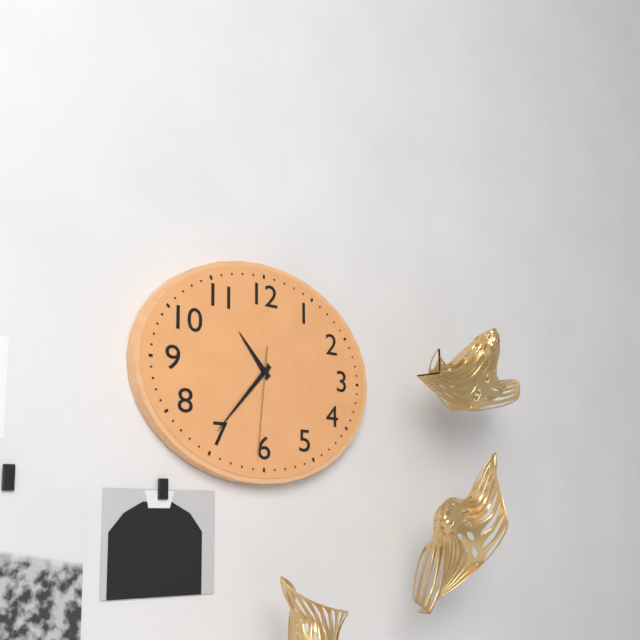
10:37:31
